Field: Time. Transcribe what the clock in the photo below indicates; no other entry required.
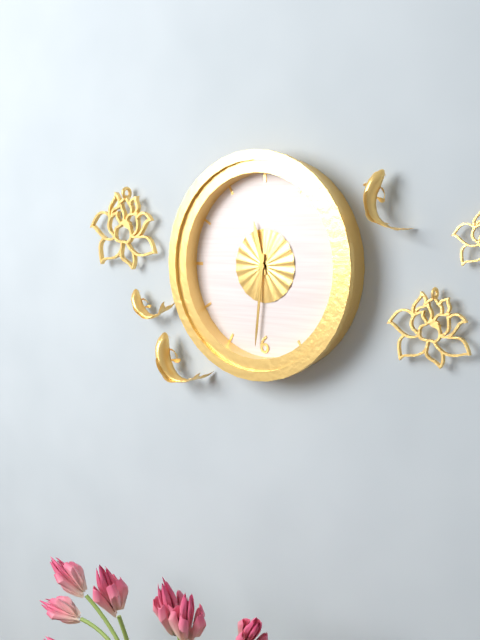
11:31
